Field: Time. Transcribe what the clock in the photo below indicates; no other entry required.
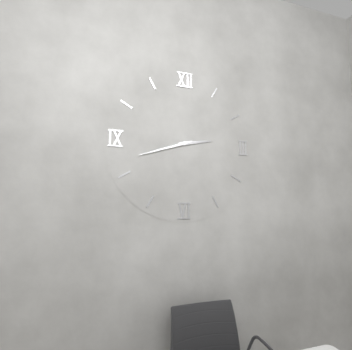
2:42
